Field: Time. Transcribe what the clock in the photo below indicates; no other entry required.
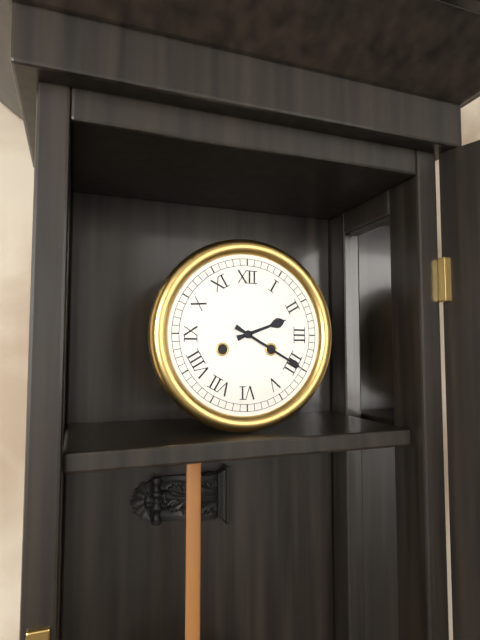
2:20
